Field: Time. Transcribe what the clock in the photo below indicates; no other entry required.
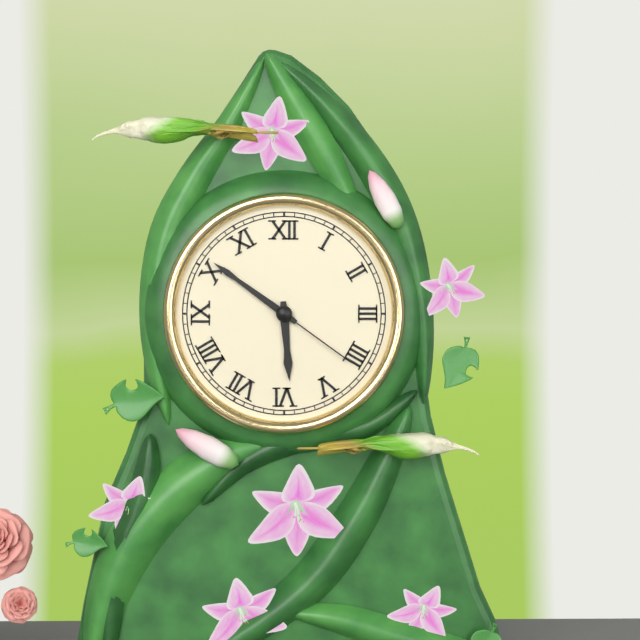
5:51:21
